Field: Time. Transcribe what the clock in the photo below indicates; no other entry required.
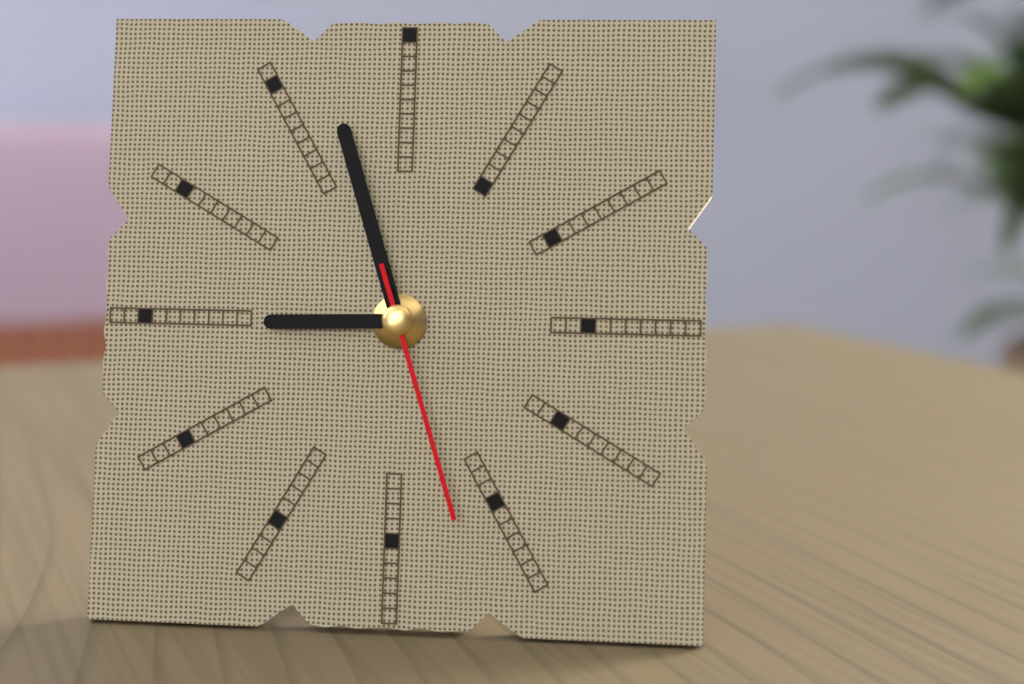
8:57:27
